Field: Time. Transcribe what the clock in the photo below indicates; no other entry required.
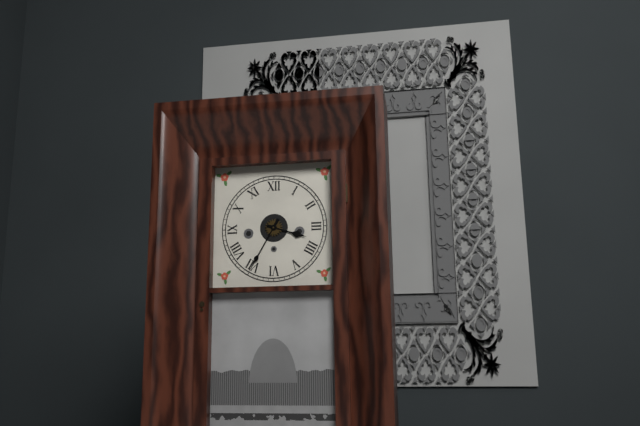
3:35
